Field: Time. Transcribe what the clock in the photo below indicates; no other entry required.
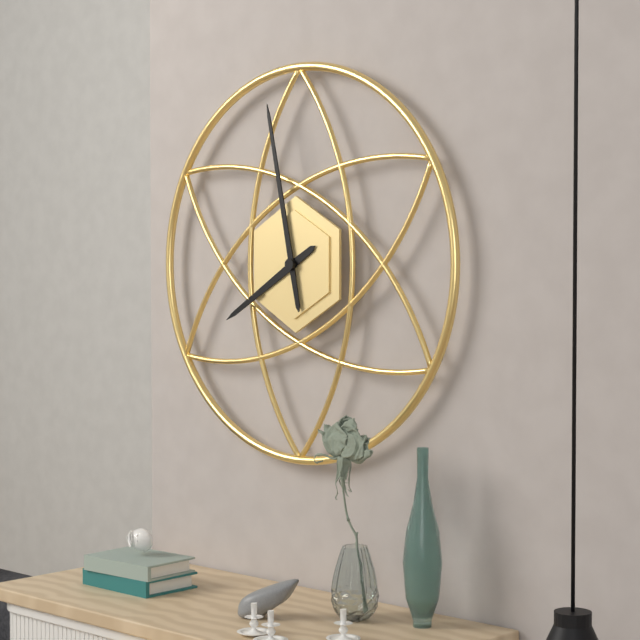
7:58
